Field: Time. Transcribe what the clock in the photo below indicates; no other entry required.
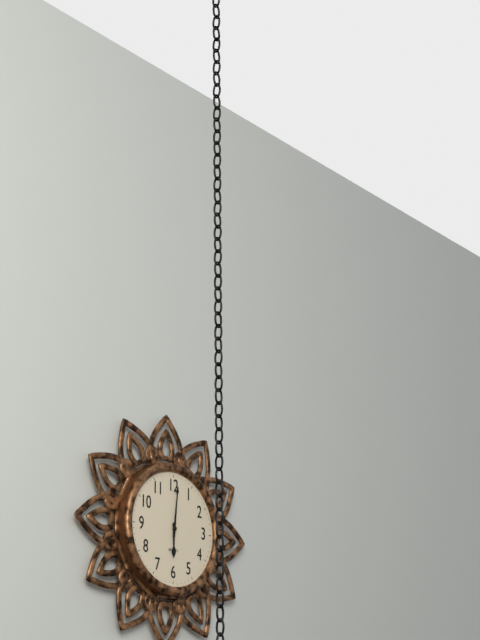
6:01
